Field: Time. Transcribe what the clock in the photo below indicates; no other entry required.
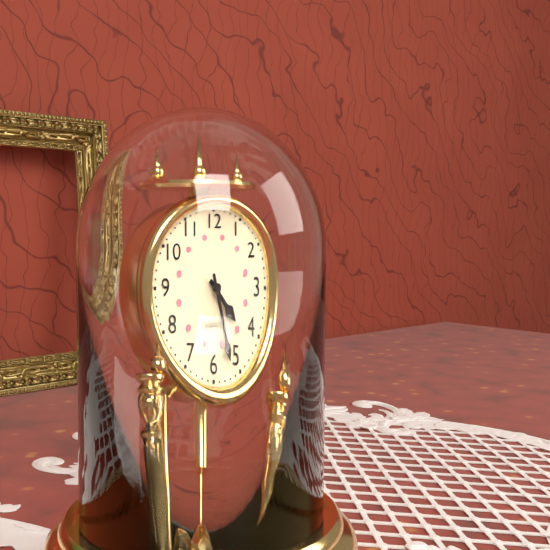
4:27
